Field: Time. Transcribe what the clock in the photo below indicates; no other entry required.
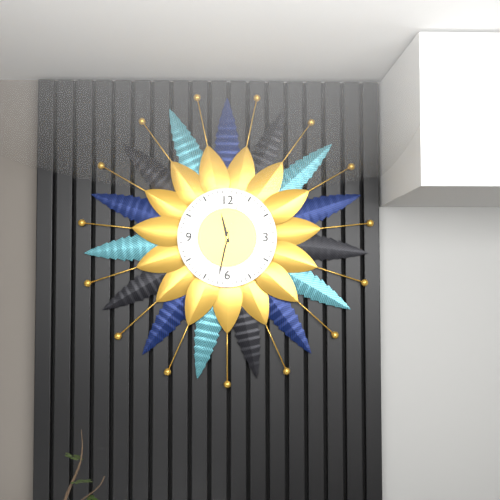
11:32:03
